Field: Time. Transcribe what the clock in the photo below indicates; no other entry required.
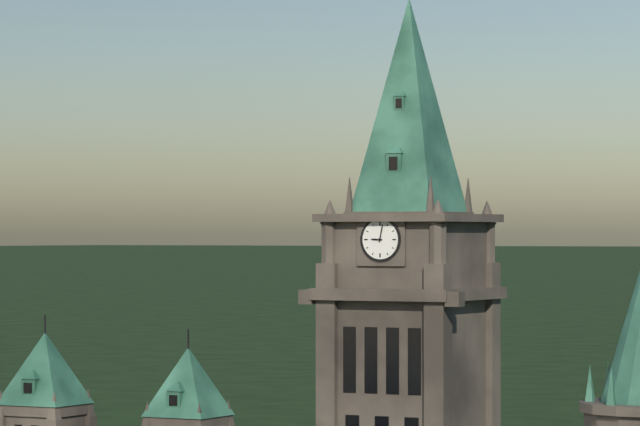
9:02
